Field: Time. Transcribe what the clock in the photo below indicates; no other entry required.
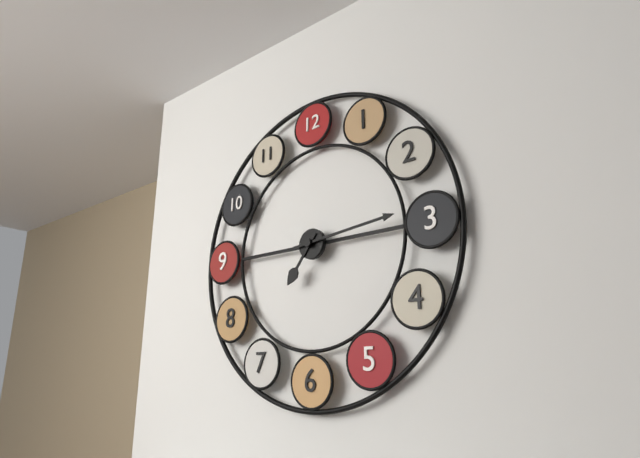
7:14
